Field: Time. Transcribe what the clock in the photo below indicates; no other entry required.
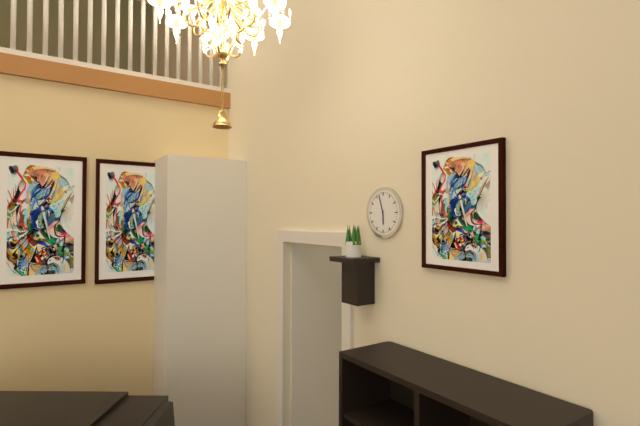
5:57
